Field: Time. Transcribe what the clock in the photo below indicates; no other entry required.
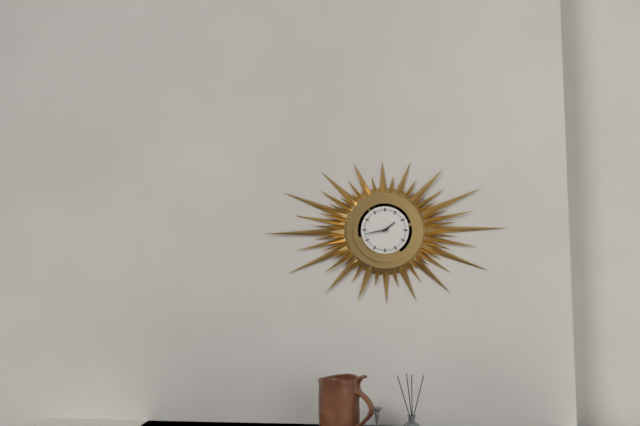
1:43
